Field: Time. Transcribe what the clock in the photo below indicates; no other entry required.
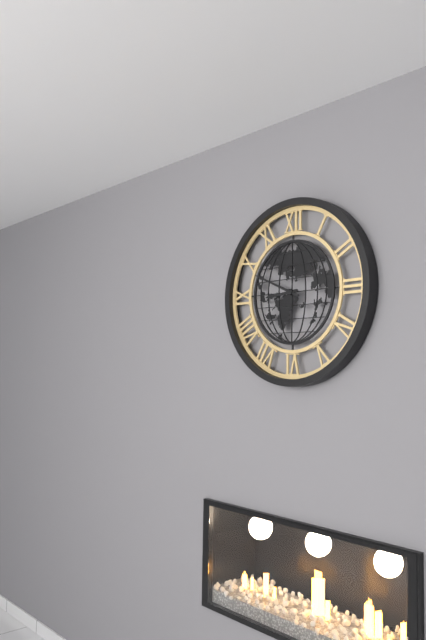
8:49
